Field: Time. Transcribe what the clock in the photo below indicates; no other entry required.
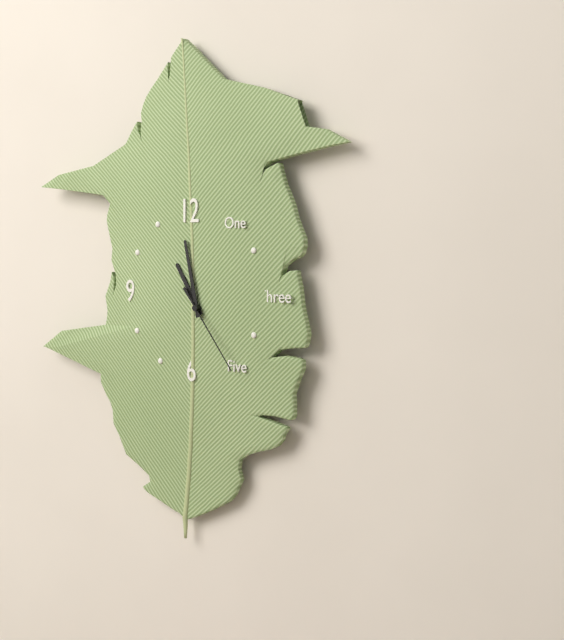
10:58:24
